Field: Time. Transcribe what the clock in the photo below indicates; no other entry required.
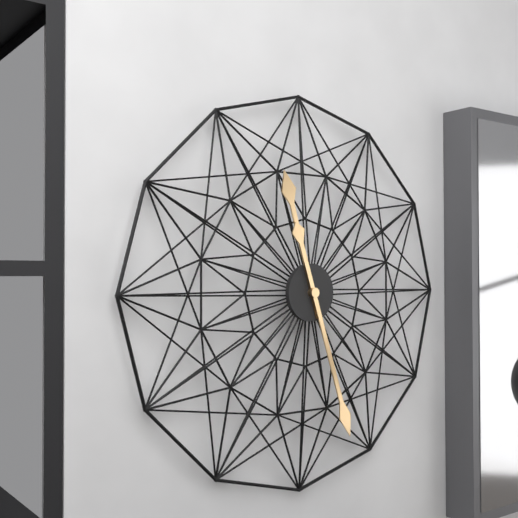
11:27
